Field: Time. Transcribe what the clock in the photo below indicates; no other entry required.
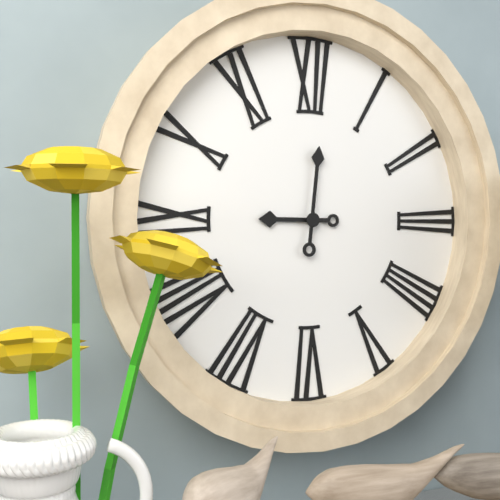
9:01
